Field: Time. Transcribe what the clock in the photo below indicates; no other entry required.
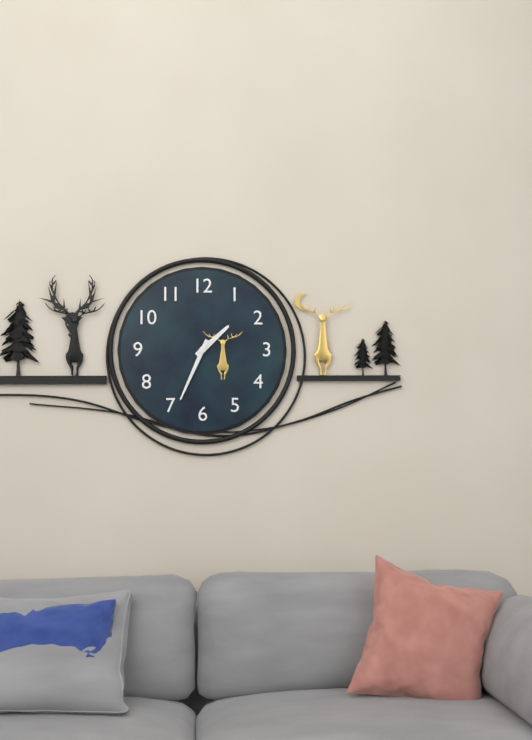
1:34
